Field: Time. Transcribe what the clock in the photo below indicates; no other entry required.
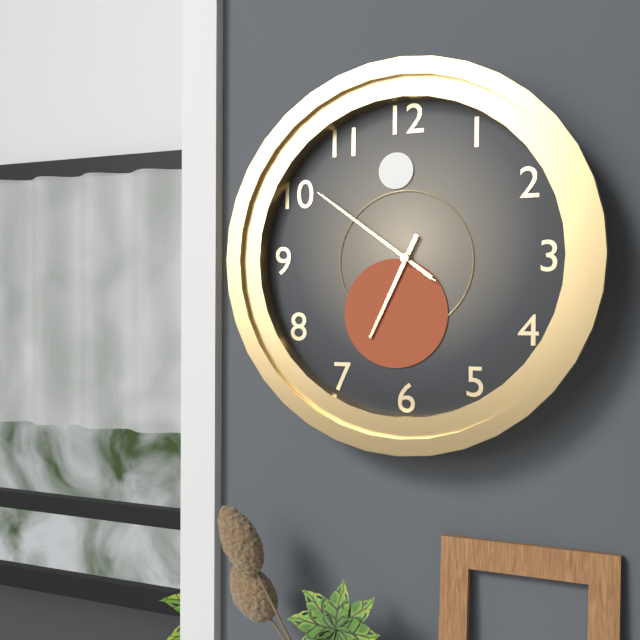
6:51:51
